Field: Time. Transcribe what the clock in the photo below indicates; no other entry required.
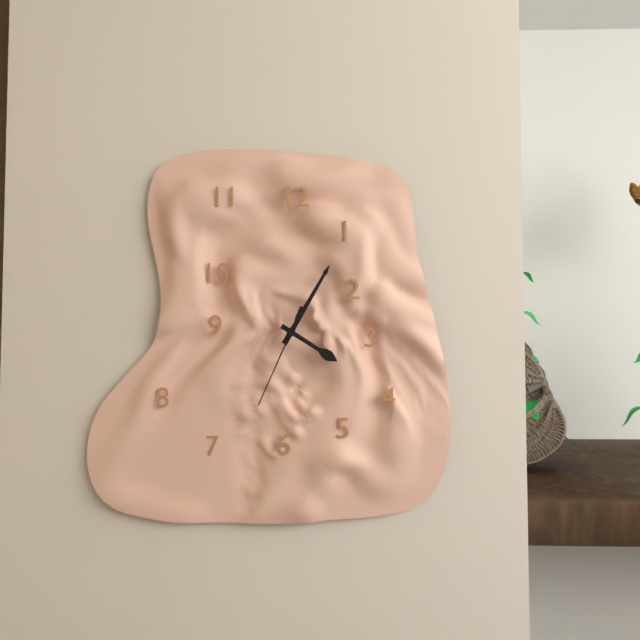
4:05:34
